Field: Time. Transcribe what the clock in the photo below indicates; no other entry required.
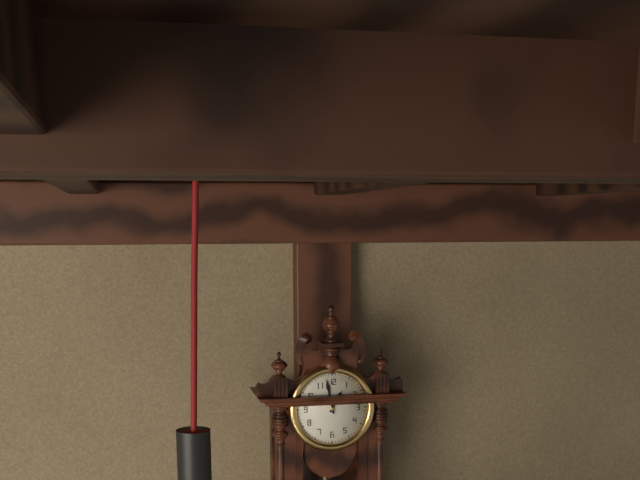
12:58
